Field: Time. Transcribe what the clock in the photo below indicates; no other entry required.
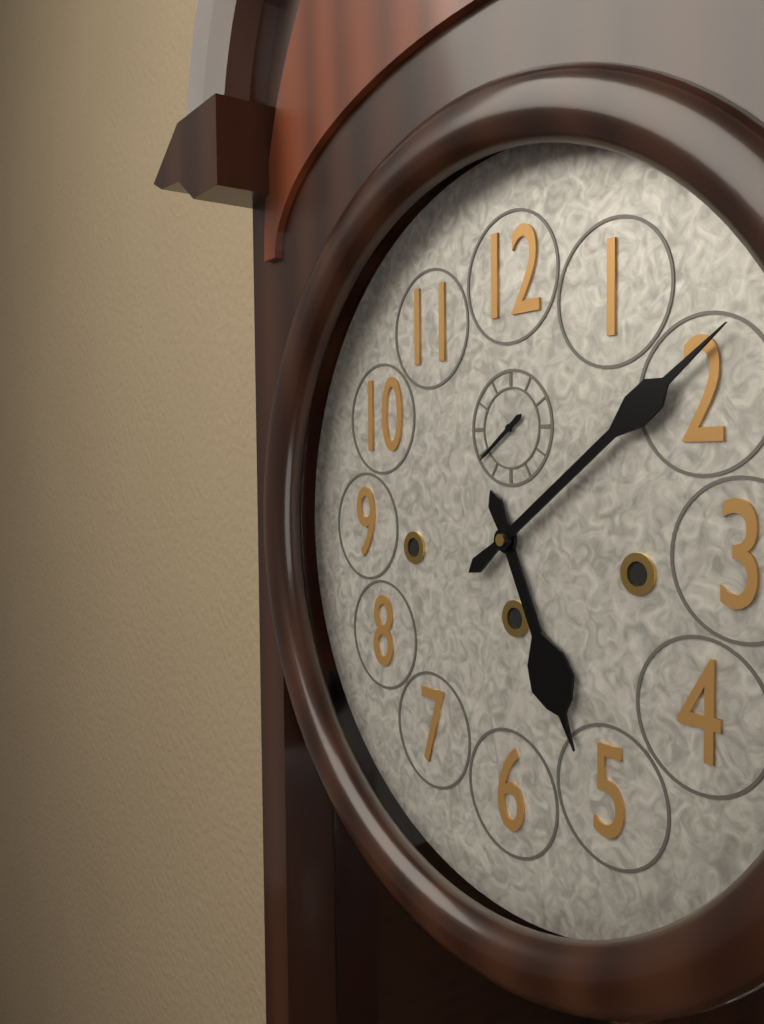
5:09
